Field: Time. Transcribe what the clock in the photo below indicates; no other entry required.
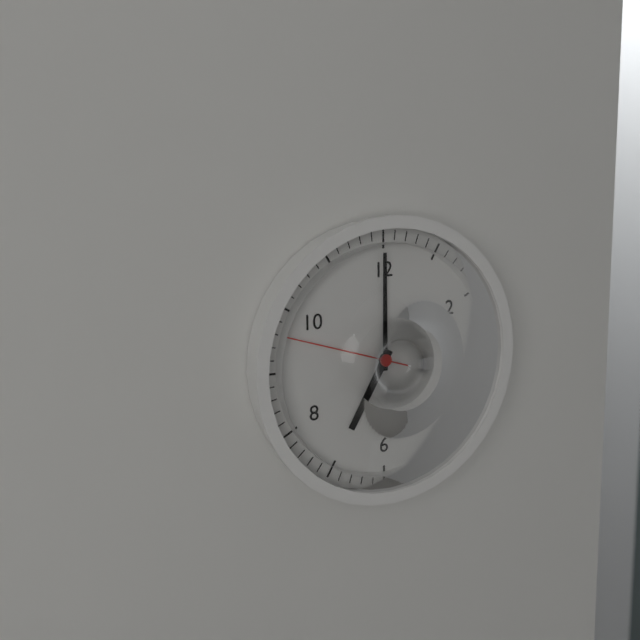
7:00:48
